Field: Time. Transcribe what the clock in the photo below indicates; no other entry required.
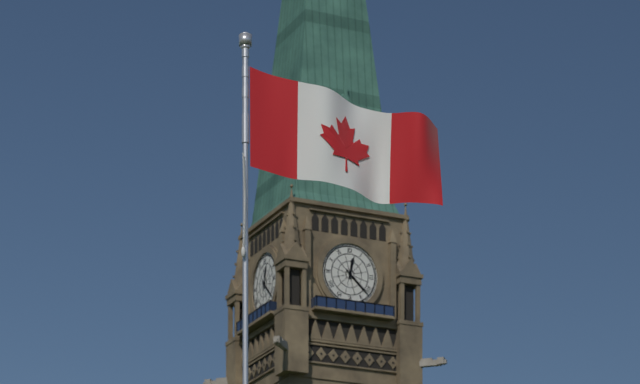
12:22
